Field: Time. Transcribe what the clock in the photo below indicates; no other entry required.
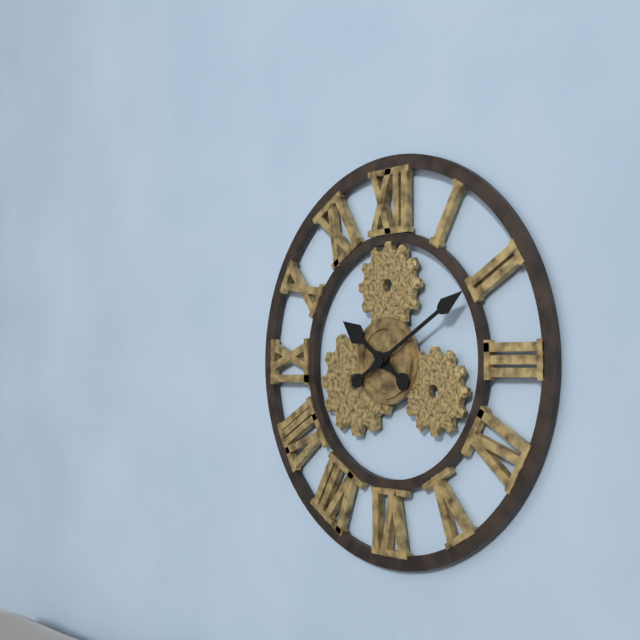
10:10
